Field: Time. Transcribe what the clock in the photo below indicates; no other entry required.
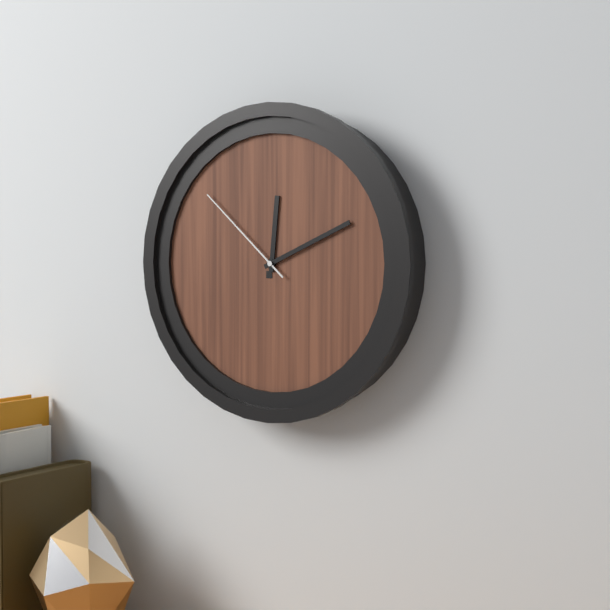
12:11:52
